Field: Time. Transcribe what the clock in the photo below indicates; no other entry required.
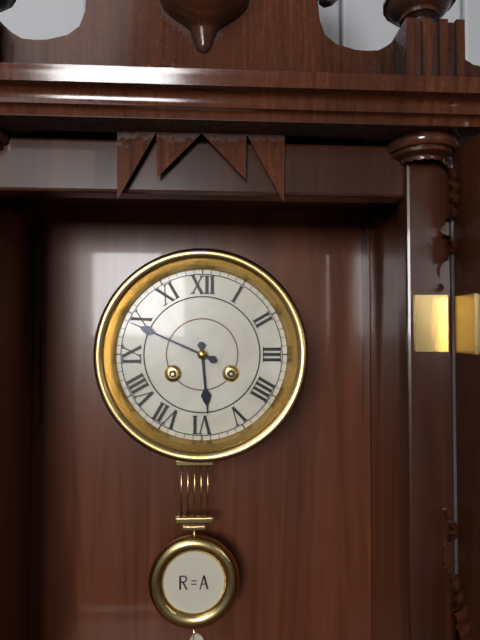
5:49
